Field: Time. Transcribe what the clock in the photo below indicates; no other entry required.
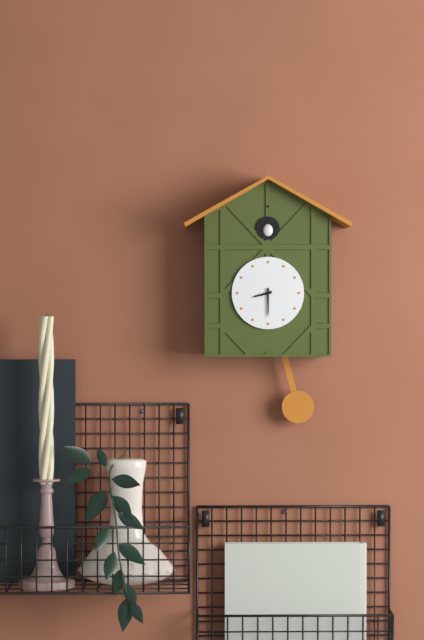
8:30
